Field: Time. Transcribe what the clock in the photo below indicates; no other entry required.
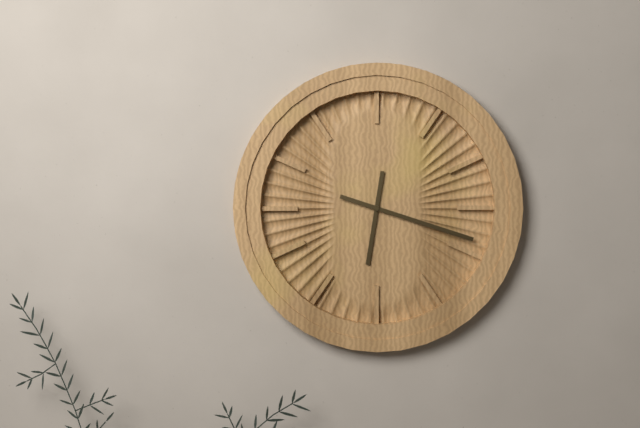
6:18
